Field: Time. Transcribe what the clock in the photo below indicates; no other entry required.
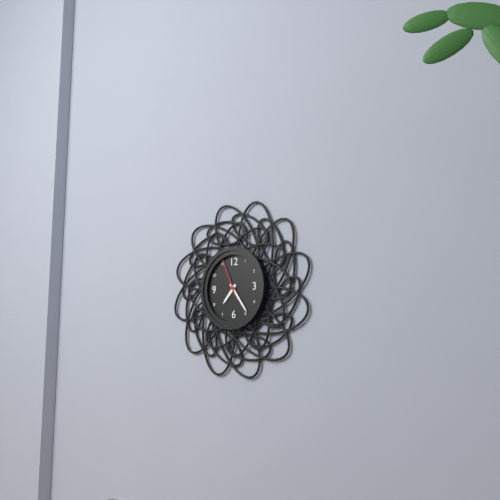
7:24
